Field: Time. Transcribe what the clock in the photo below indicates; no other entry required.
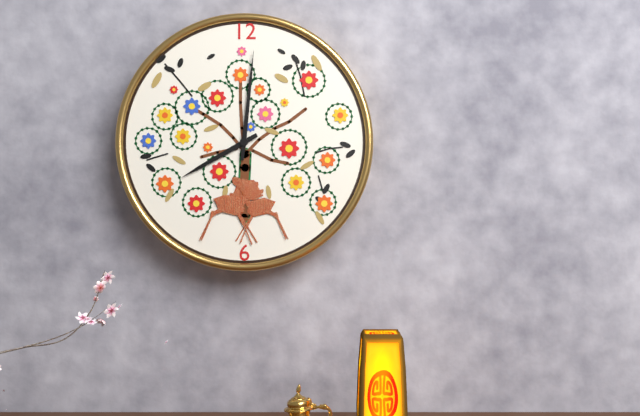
8:01
